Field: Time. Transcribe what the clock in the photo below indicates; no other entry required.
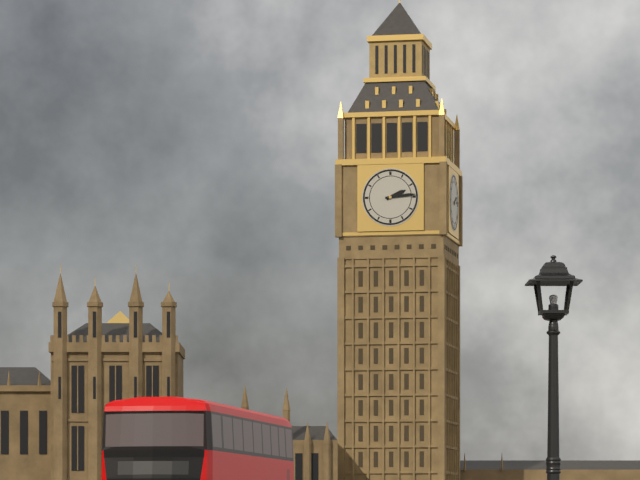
2:14
